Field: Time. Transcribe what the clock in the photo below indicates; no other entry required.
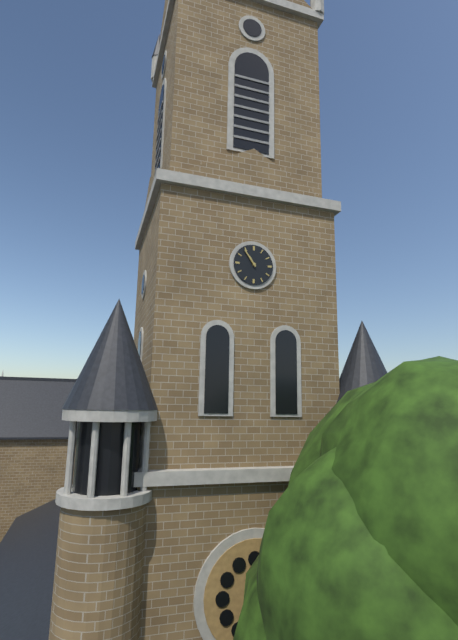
10:54
